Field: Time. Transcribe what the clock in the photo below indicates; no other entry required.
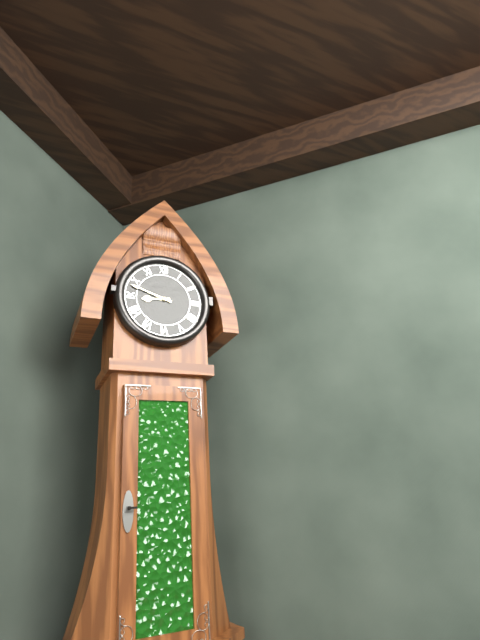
8:48
